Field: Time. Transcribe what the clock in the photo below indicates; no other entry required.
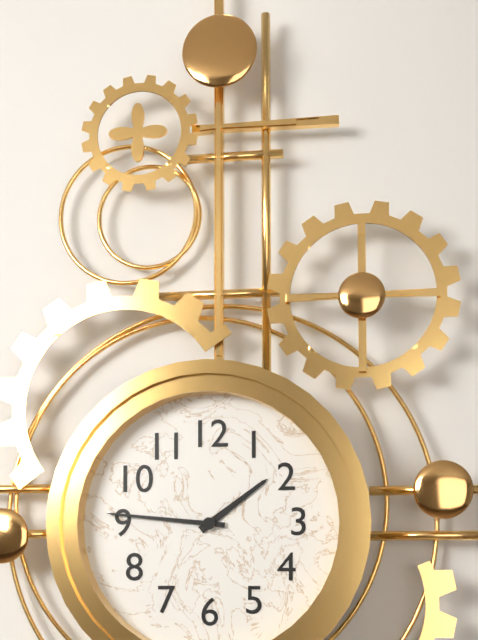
1:46
